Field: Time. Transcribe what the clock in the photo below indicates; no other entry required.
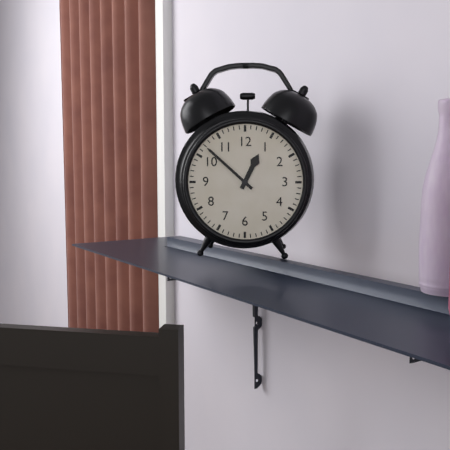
12:52
